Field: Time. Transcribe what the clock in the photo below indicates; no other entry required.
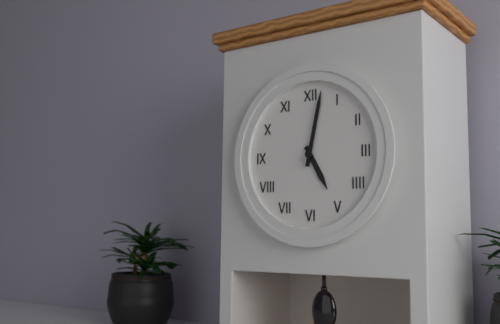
5:02
